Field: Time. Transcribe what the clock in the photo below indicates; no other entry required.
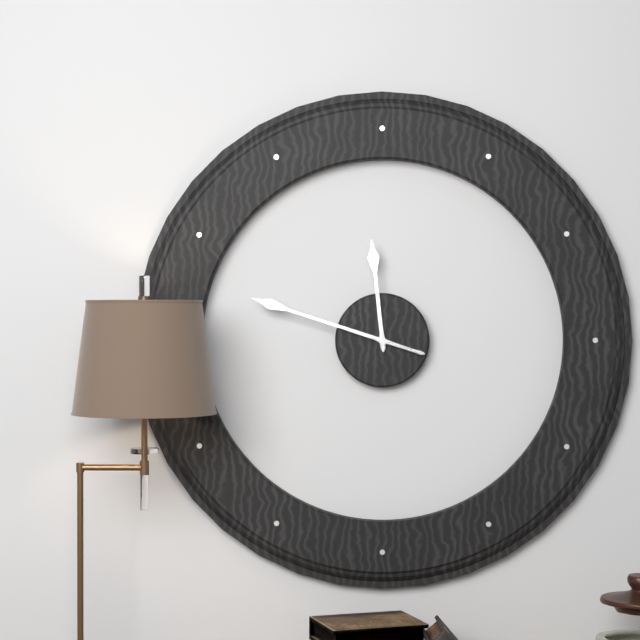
11:48
